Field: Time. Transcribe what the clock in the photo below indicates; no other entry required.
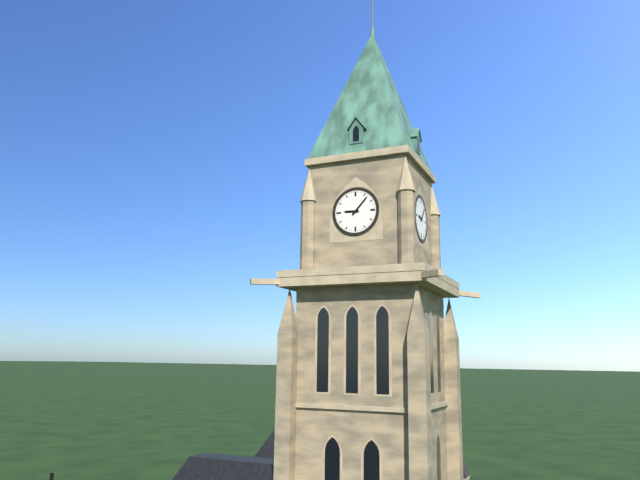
9:07
